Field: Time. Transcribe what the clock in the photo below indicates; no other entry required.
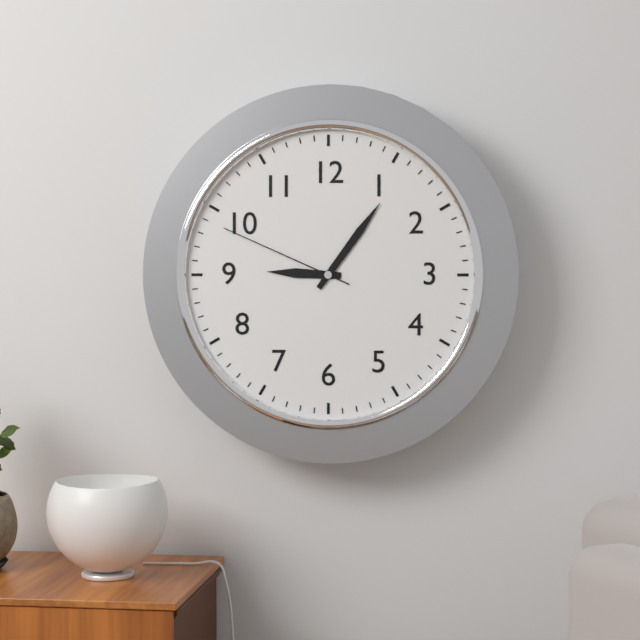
9:06:49
